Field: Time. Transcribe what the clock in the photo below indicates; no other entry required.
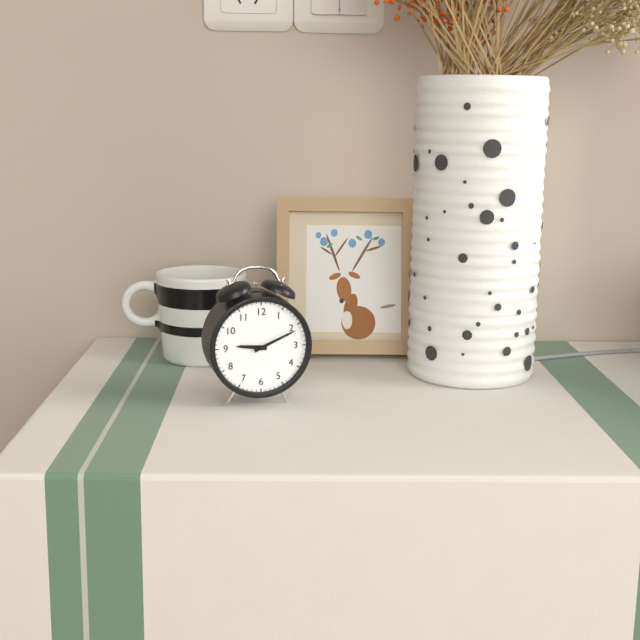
9:11
